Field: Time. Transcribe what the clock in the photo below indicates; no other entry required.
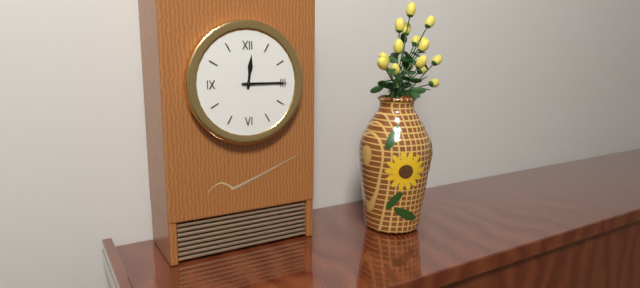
12:15
